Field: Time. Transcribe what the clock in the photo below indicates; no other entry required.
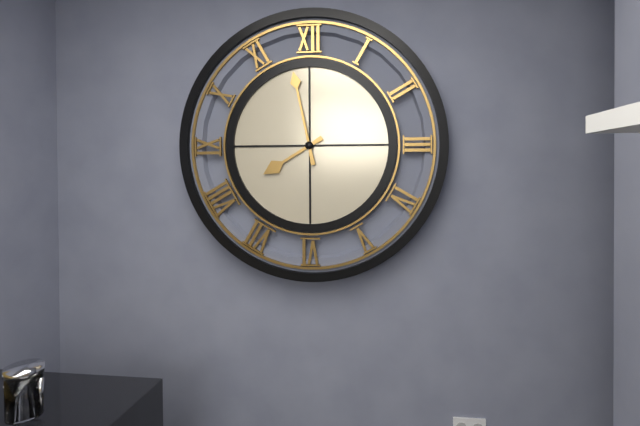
7:58
